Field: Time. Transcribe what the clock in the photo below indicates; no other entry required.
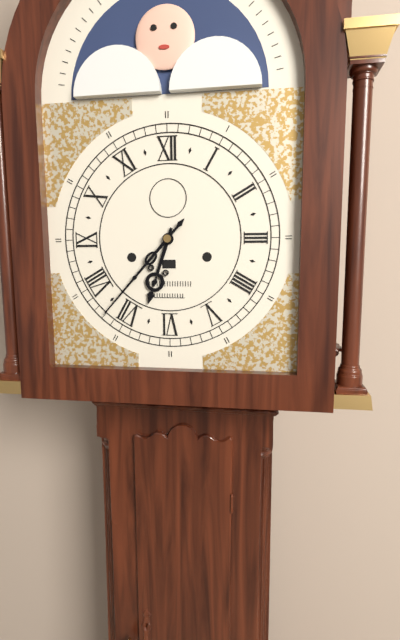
6:37
